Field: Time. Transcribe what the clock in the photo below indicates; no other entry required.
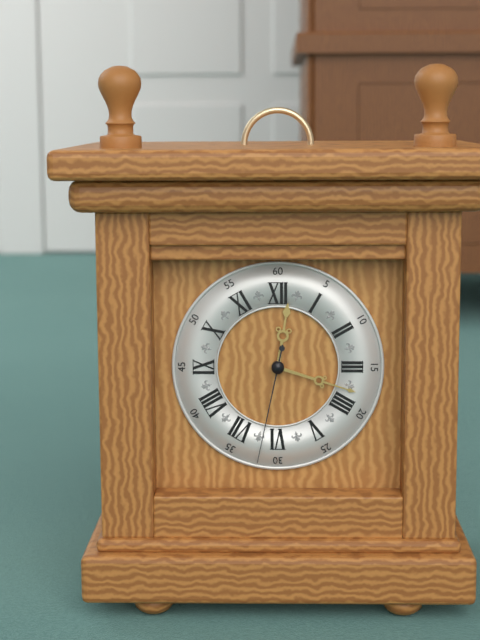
12:18:32
